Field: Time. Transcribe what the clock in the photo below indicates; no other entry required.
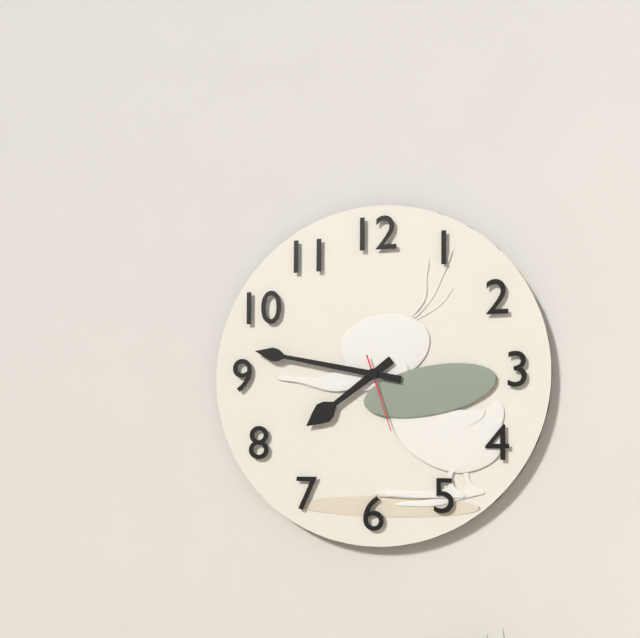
7:47:27
